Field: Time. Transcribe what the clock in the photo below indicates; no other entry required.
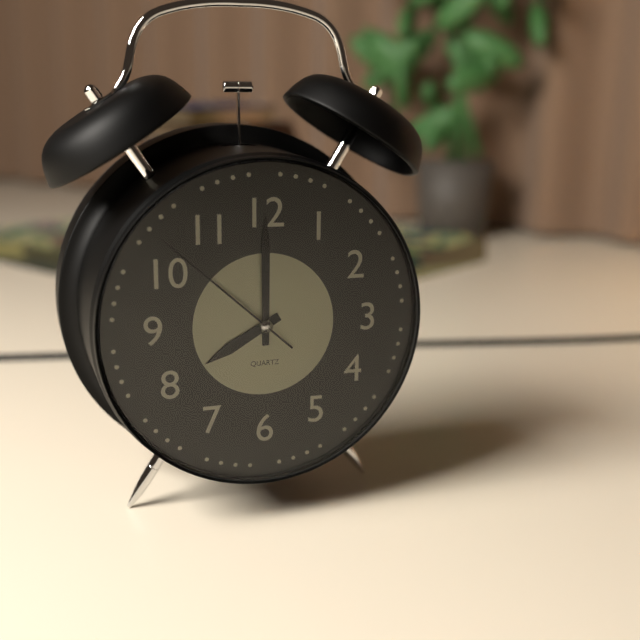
8:00:52
